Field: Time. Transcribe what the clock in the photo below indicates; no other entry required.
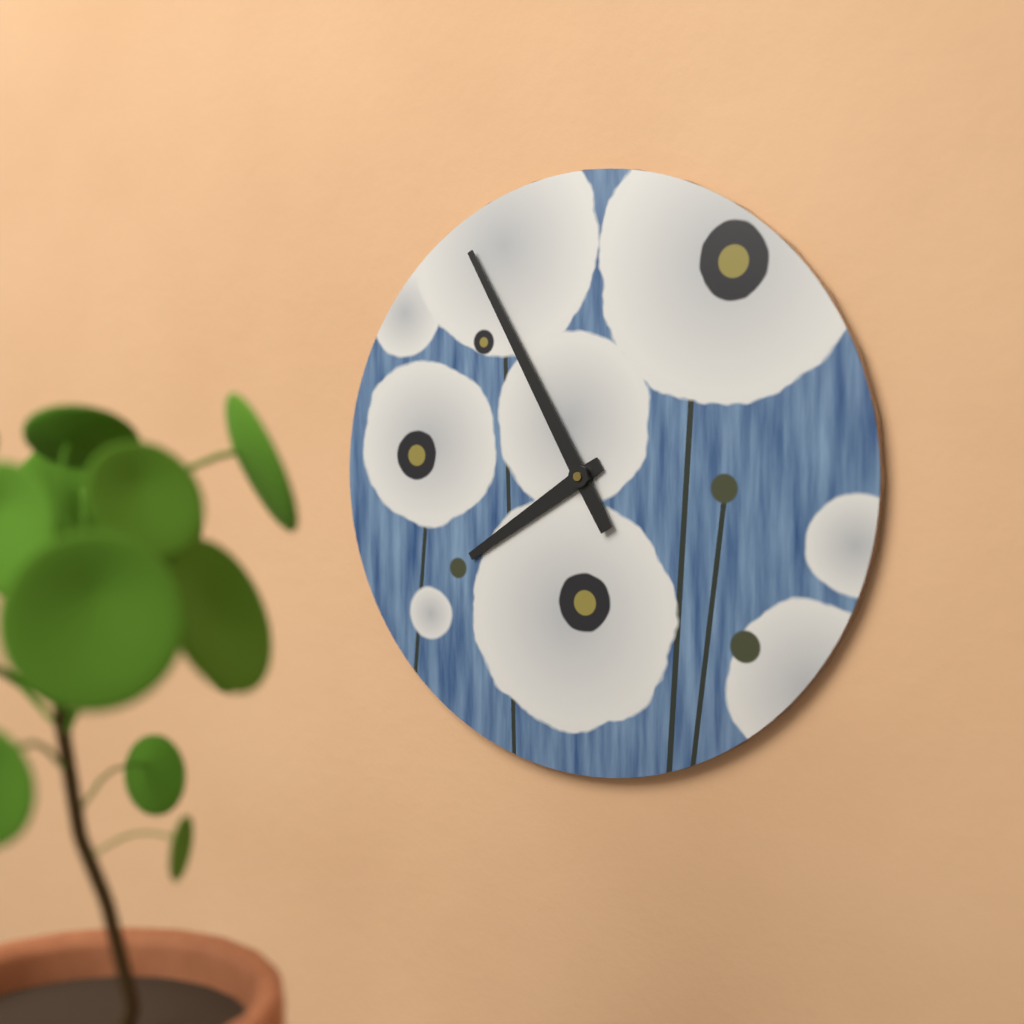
7:55
